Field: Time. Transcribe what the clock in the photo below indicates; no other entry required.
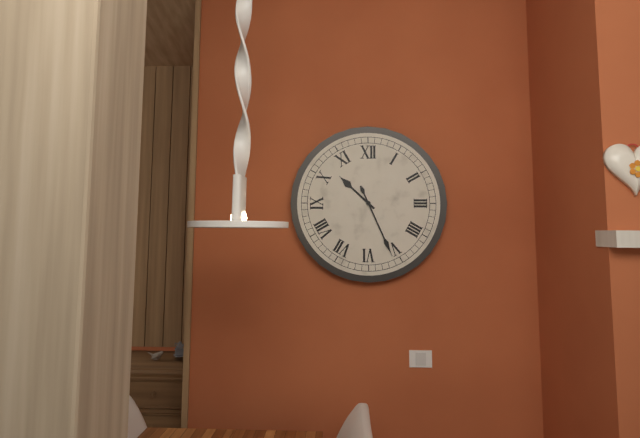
10:26
